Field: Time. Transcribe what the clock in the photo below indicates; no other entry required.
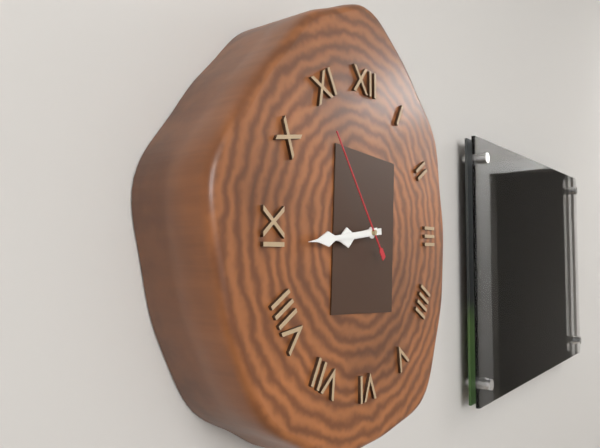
8:44:54
